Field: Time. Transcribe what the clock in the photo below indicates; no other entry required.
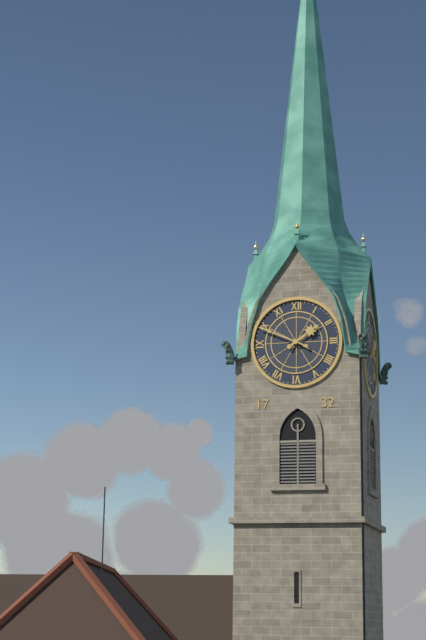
1:49
